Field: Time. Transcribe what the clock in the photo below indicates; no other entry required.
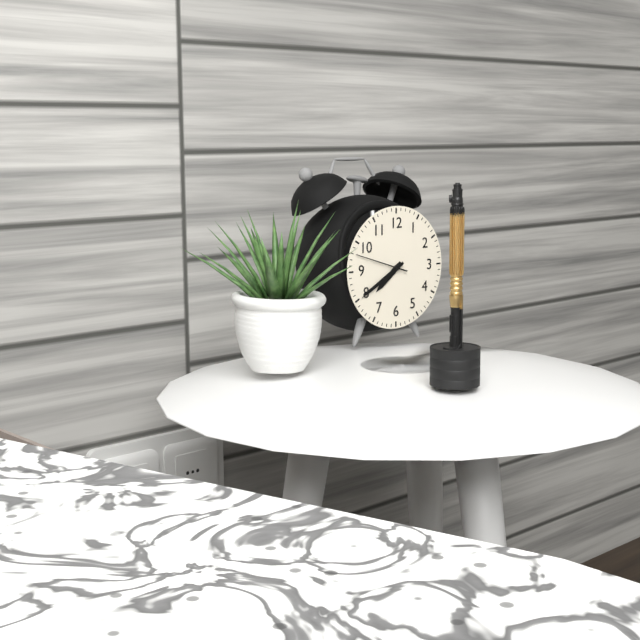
7:40:48
